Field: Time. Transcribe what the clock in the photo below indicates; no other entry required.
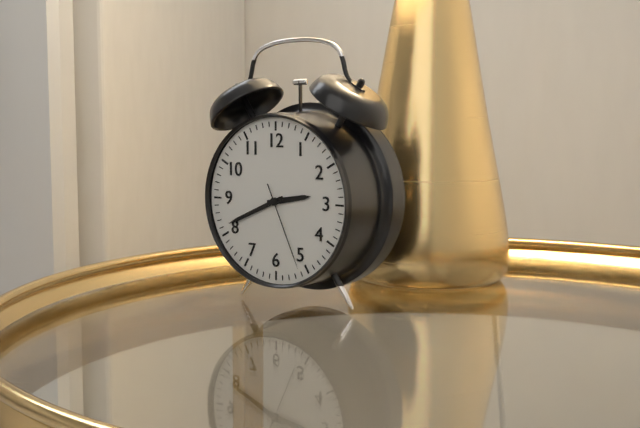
2:41:26
